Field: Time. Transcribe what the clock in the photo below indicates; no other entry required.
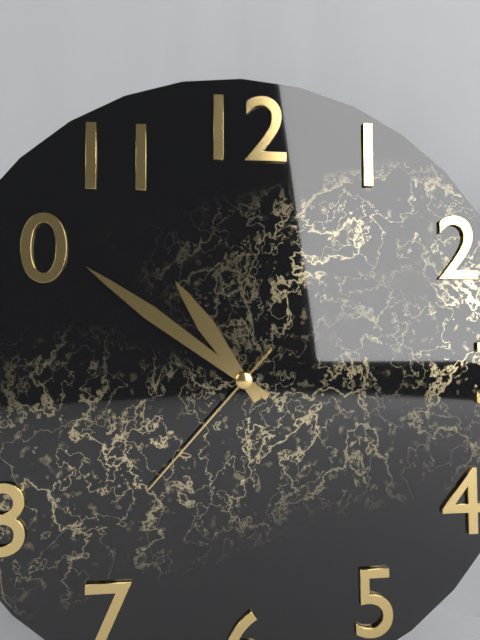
10:51:37
